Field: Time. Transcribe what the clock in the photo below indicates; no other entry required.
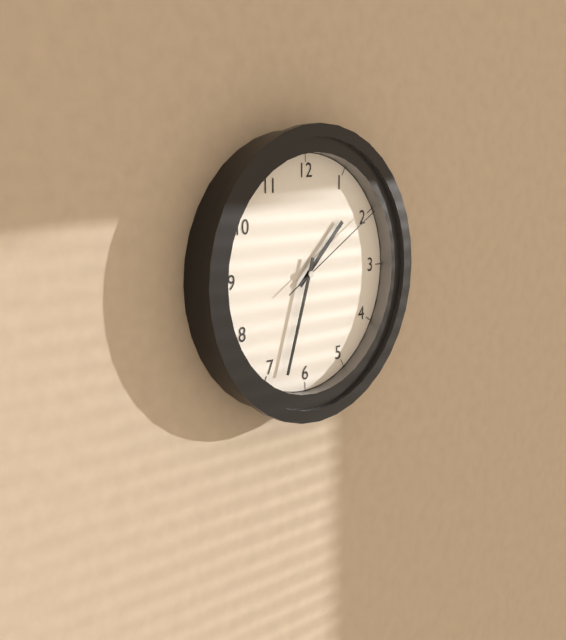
1:33:10
